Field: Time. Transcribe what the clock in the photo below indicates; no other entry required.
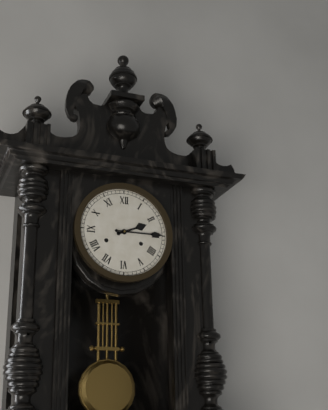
2:15
